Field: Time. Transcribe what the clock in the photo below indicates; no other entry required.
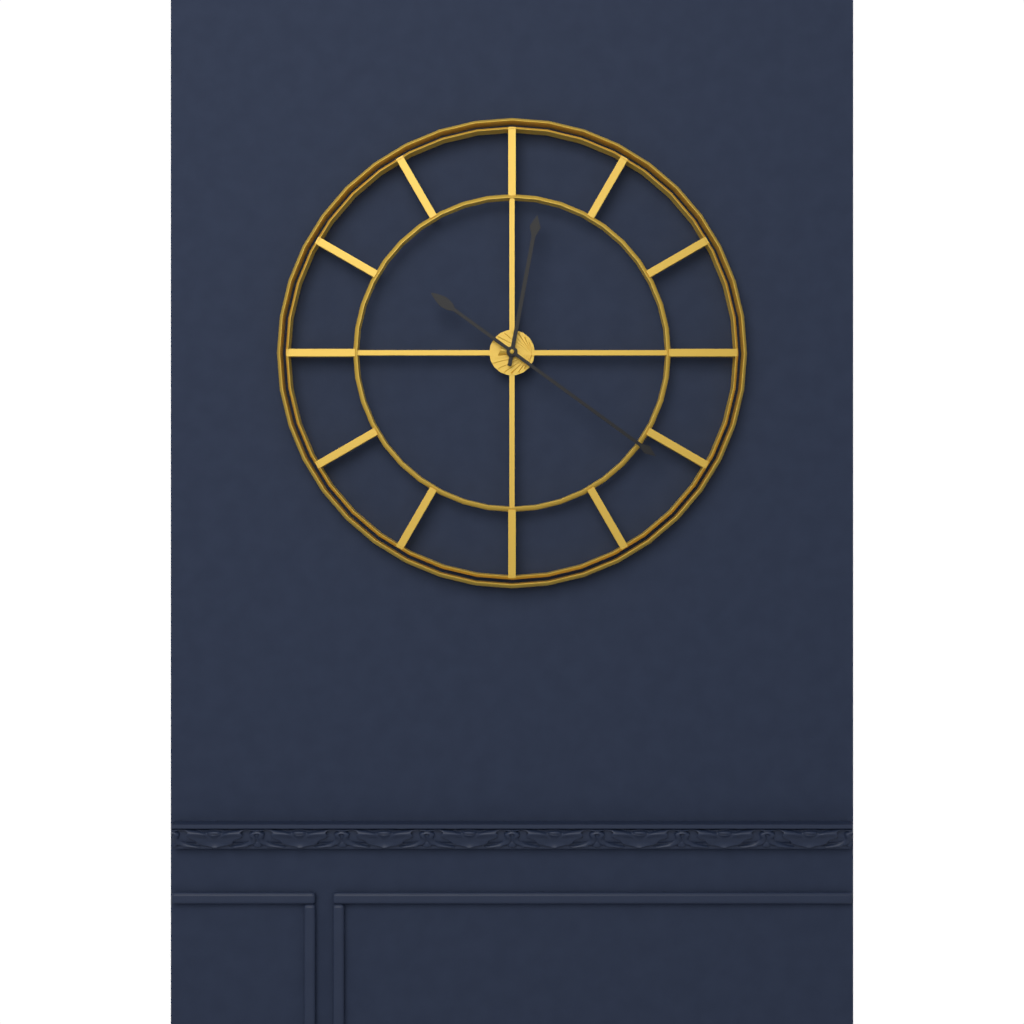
12:21
